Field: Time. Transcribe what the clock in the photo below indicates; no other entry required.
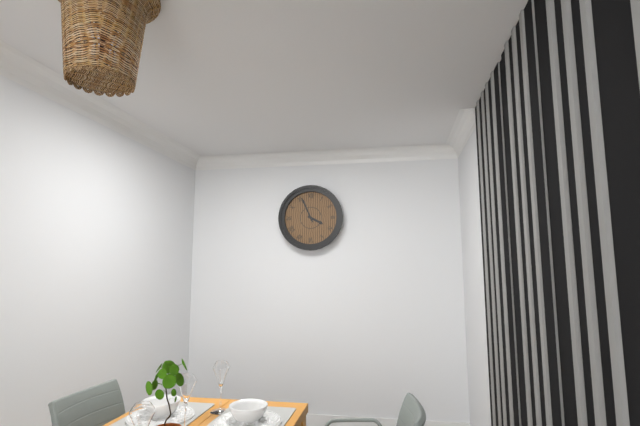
3:56
